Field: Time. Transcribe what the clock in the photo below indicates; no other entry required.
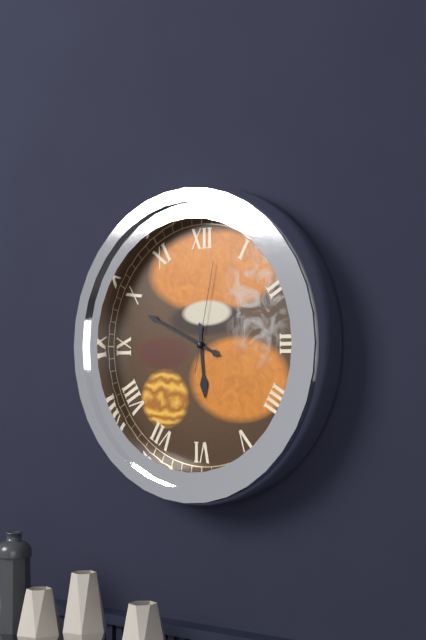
5:49:02
